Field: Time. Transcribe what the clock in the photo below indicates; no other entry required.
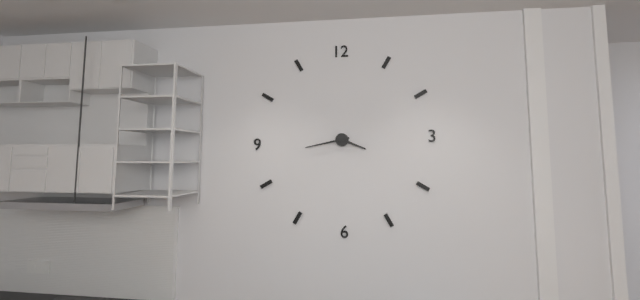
3:43
